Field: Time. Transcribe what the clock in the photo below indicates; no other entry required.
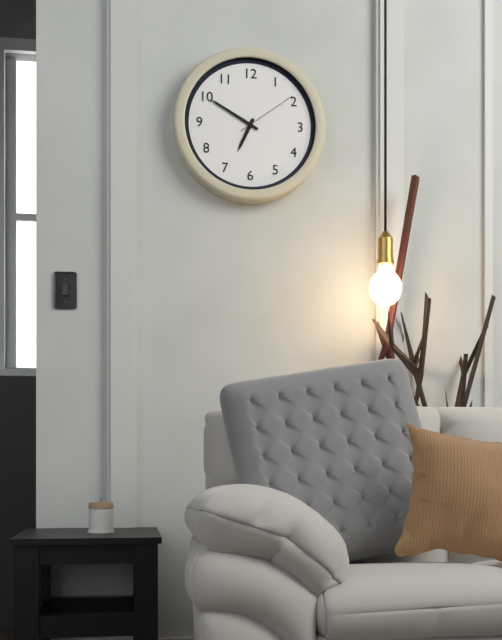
6:50:09
